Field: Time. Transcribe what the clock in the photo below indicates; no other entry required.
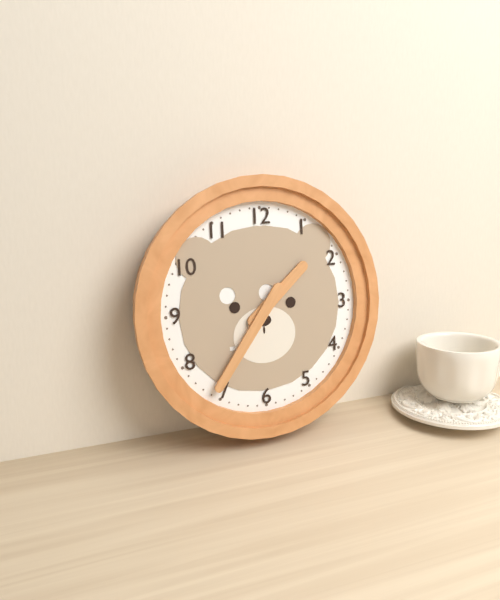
1:36
